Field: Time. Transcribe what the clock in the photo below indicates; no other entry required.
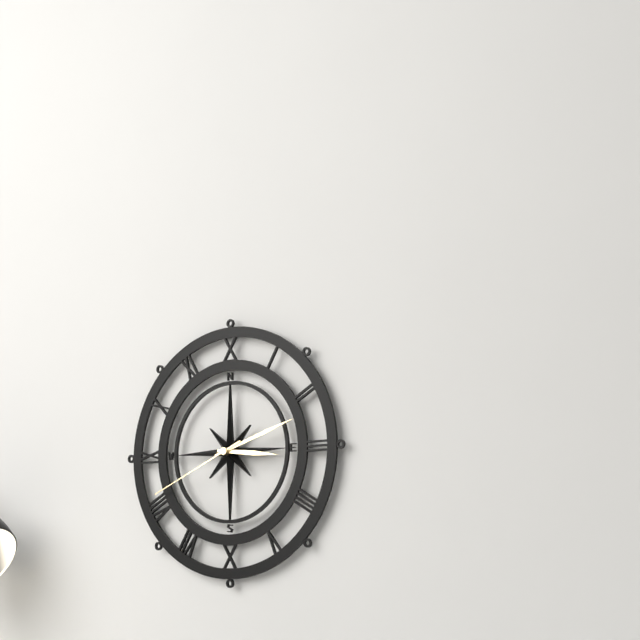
3:12:41
